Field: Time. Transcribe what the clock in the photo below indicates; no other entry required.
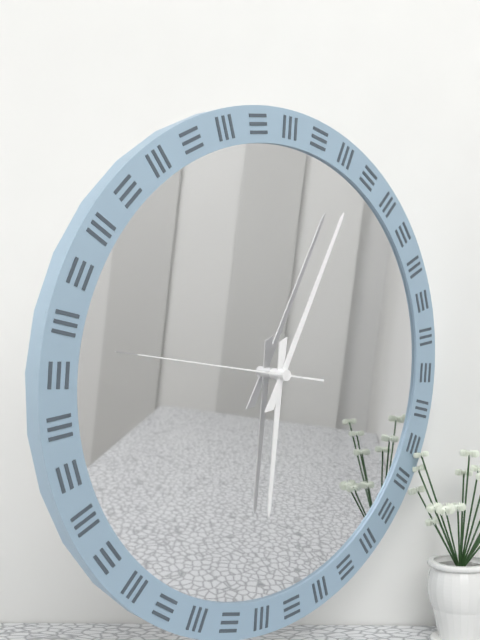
6:04:46
